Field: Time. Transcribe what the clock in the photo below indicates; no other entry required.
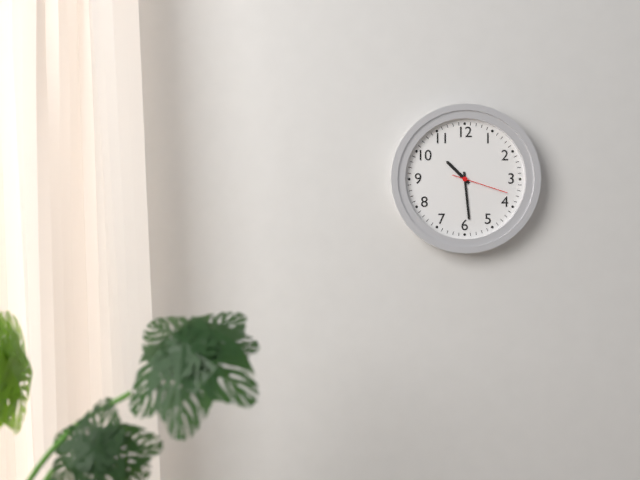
10:29:18
